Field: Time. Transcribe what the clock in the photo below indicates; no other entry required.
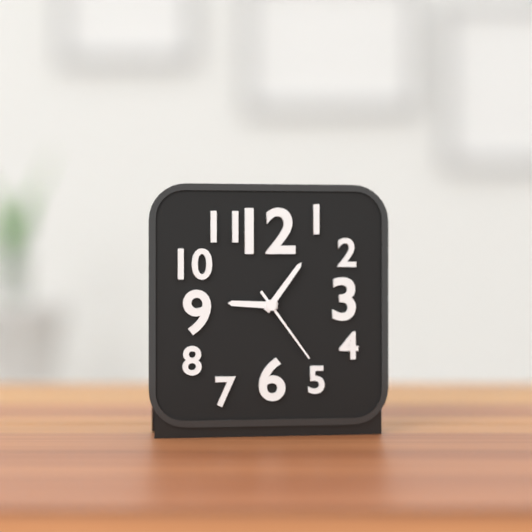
9:06:24
